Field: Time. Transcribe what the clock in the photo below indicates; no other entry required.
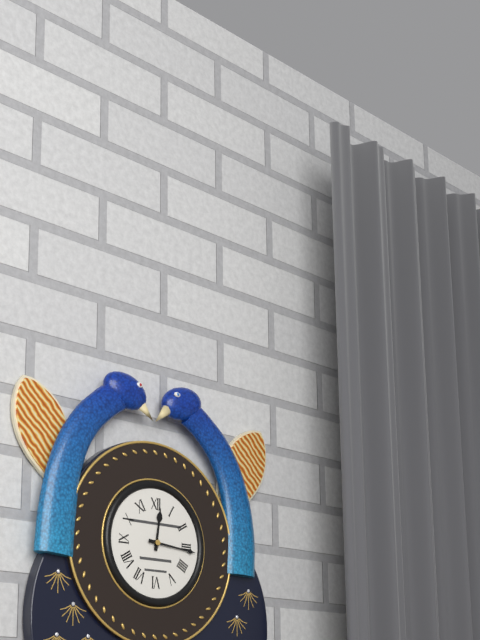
12:16
